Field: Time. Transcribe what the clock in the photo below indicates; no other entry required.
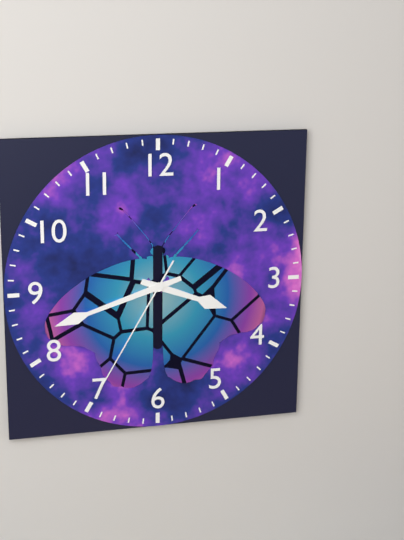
3:42:35
